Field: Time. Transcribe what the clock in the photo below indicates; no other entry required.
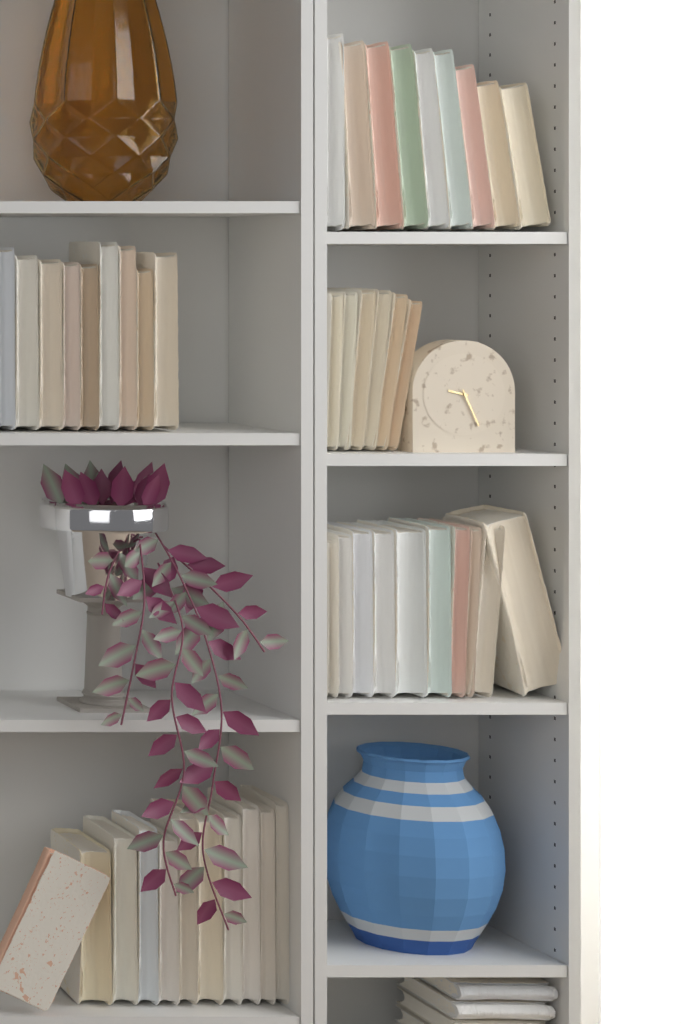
9:26
